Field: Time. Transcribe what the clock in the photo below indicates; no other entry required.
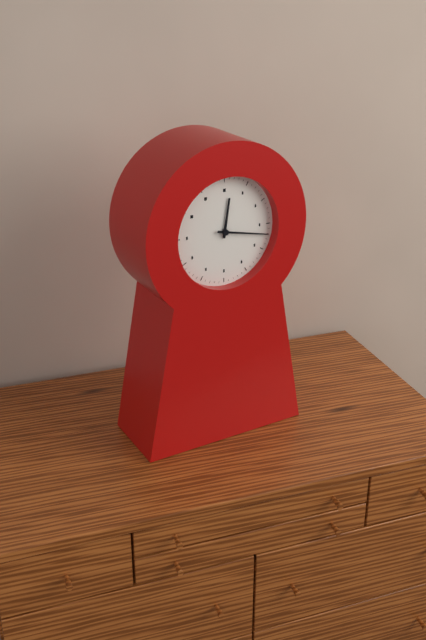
12:17
